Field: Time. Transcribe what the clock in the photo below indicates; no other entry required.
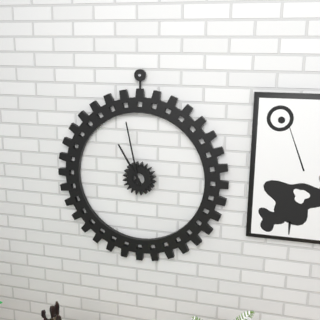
10:58
